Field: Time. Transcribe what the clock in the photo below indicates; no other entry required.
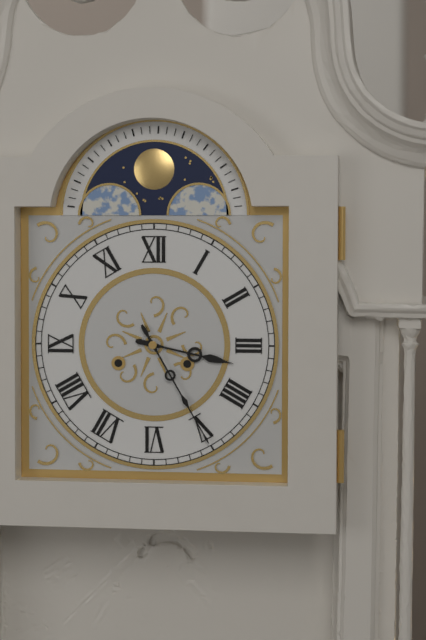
3:25
